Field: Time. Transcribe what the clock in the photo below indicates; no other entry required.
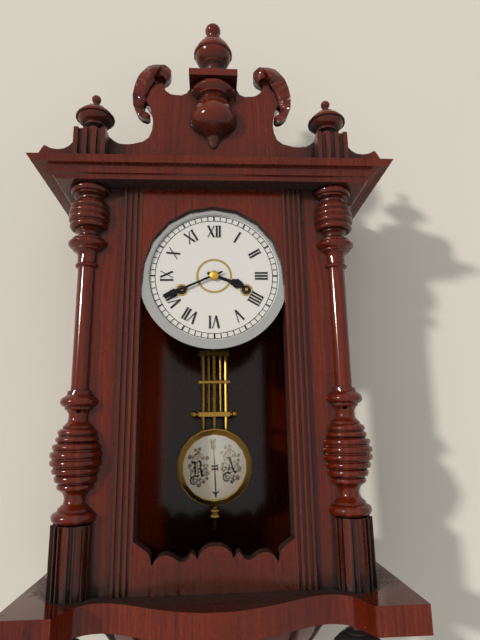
3:41
